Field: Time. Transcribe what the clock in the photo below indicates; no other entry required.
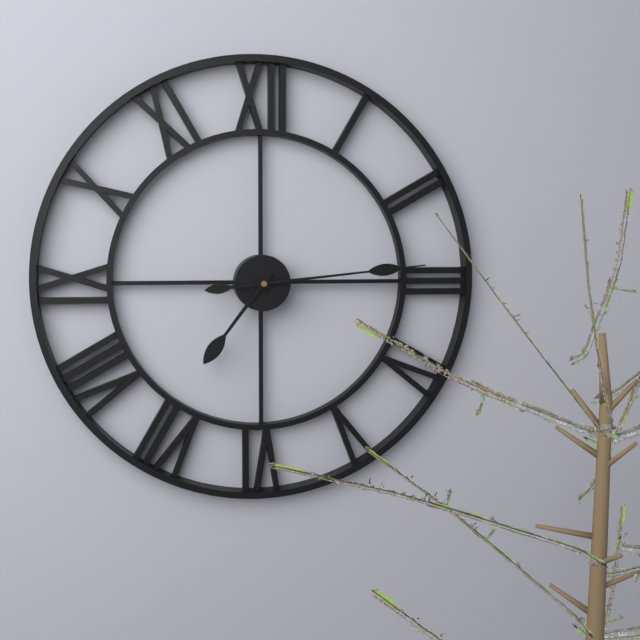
7:14
